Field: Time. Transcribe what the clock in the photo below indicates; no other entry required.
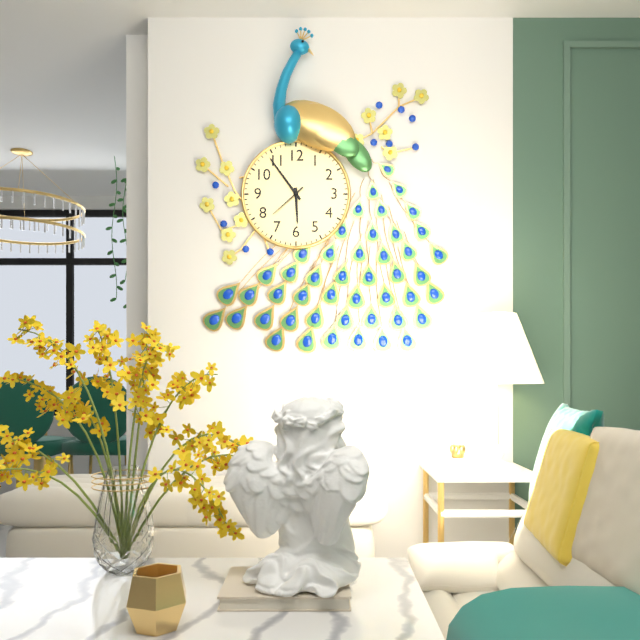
5:54
